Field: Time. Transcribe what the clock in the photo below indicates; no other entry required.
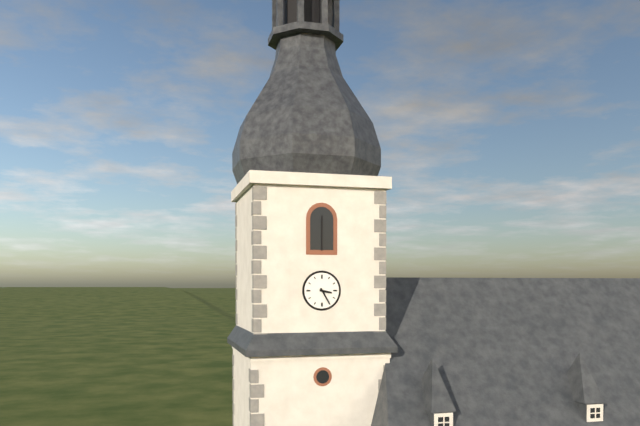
3:25
